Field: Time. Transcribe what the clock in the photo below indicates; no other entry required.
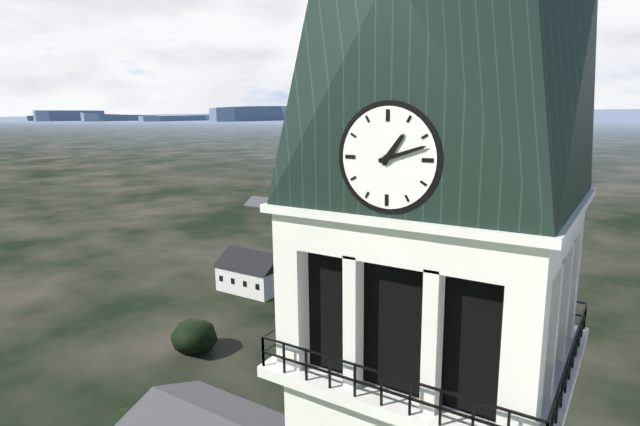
1:12
